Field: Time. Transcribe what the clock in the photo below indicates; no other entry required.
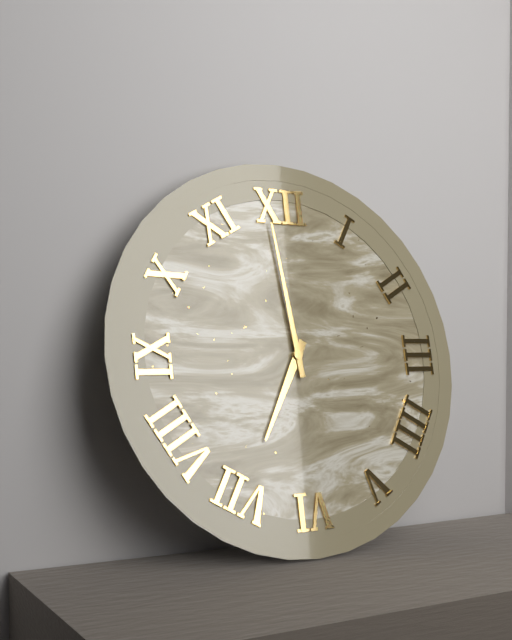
6:59
